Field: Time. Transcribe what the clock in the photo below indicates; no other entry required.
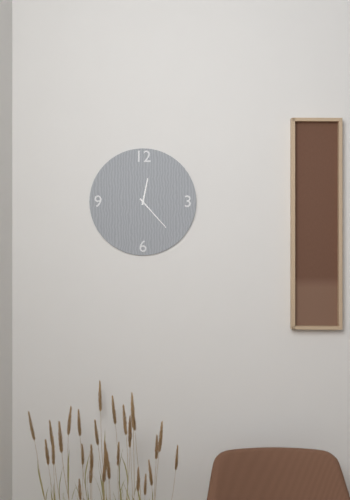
12:23
